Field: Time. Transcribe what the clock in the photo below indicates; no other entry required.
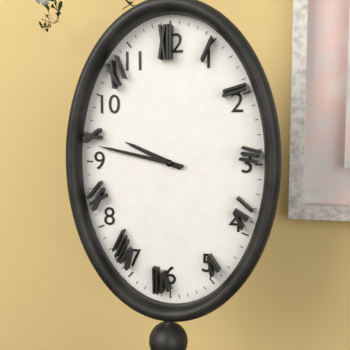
9:47
